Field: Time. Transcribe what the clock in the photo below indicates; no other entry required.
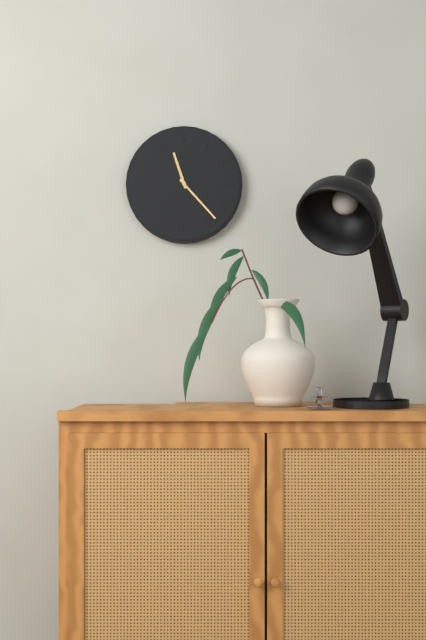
11:23
